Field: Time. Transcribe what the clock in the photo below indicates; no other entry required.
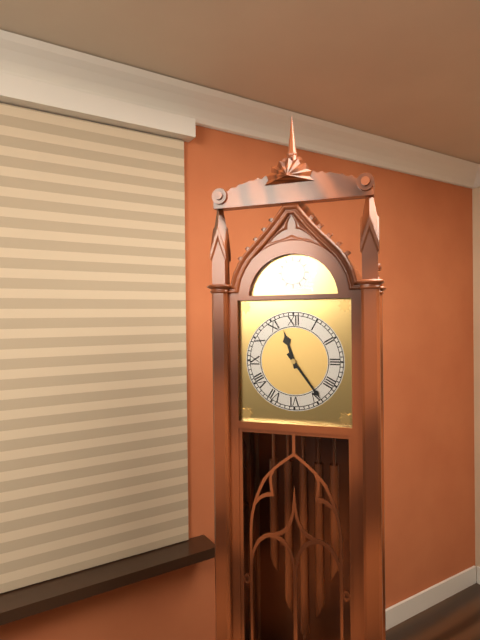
11:24
